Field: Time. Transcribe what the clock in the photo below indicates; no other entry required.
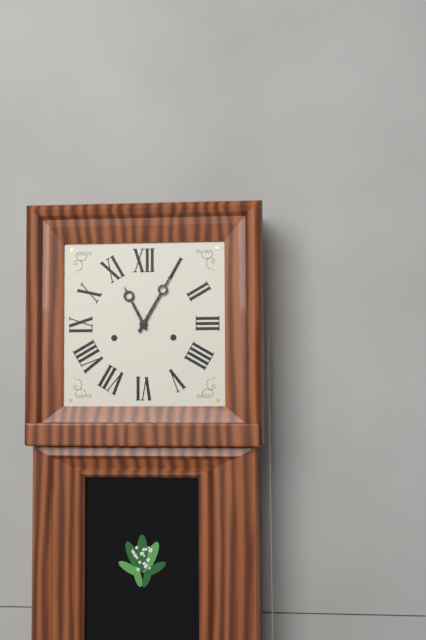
11:05
